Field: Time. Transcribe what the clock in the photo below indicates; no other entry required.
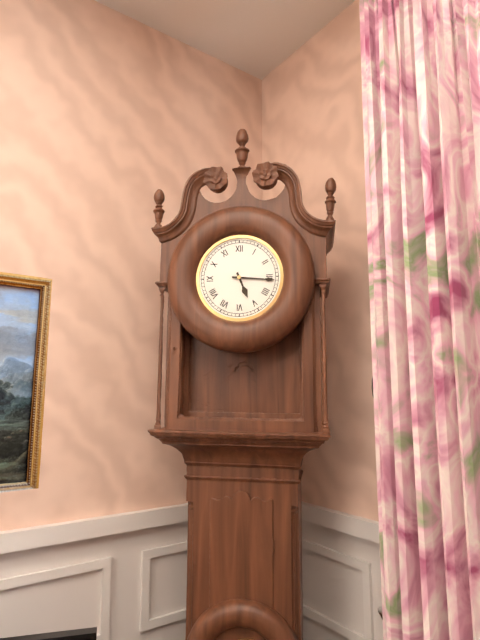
5:16
